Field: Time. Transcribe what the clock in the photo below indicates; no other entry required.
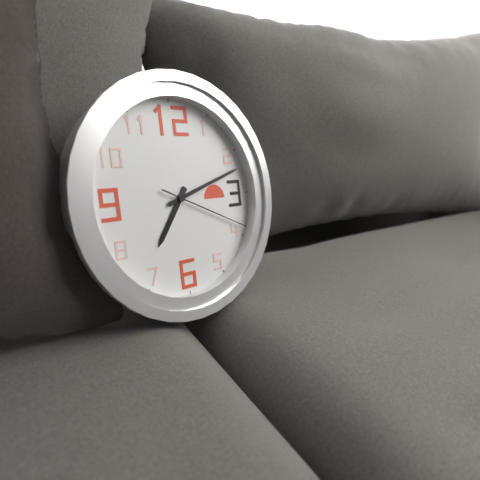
7:12:19
